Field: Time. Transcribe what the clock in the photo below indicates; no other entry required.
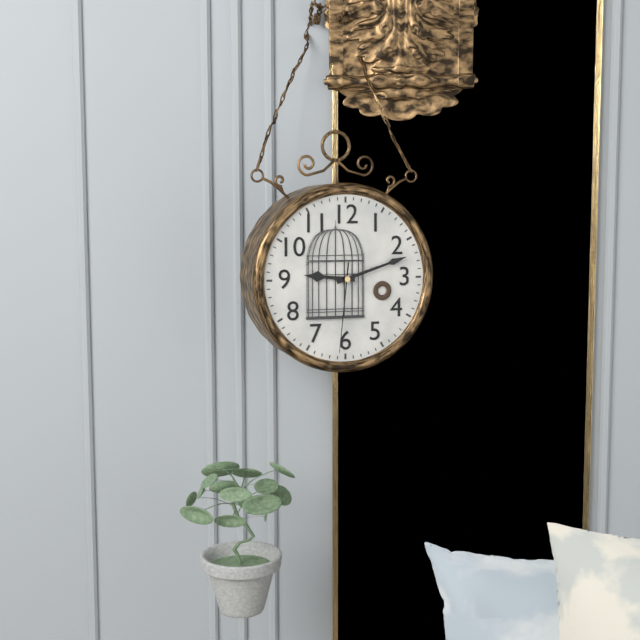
9:12:31
